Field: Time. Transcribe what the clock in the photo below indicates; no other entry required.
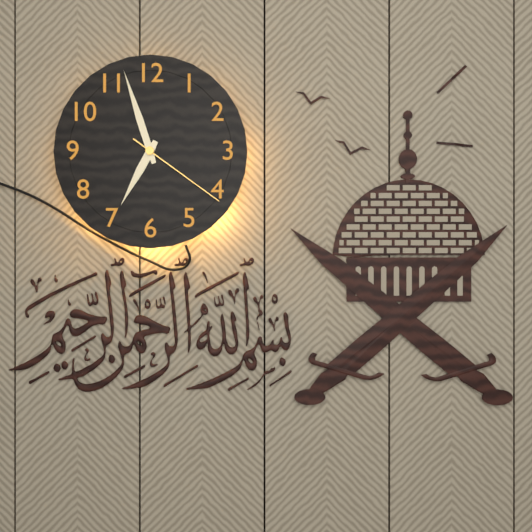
6:57:21
